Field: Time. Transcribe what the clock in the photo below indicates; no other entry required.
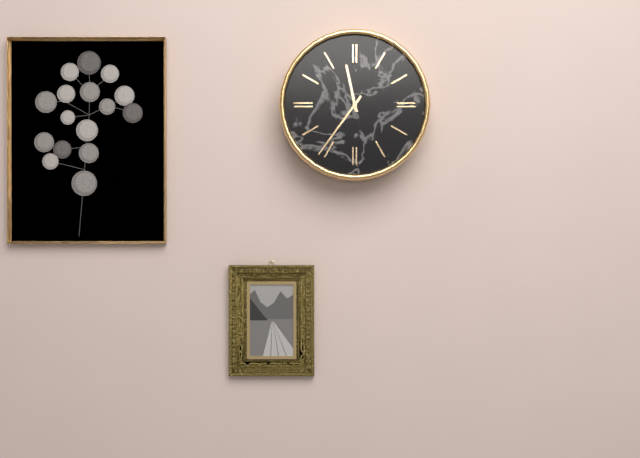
11:36
